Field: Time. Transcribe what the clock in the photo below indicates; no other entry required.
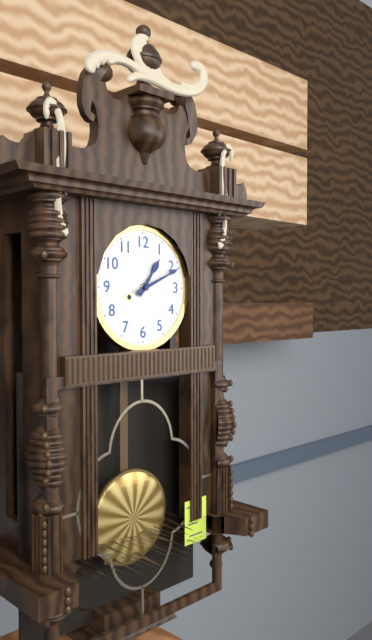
1:11
